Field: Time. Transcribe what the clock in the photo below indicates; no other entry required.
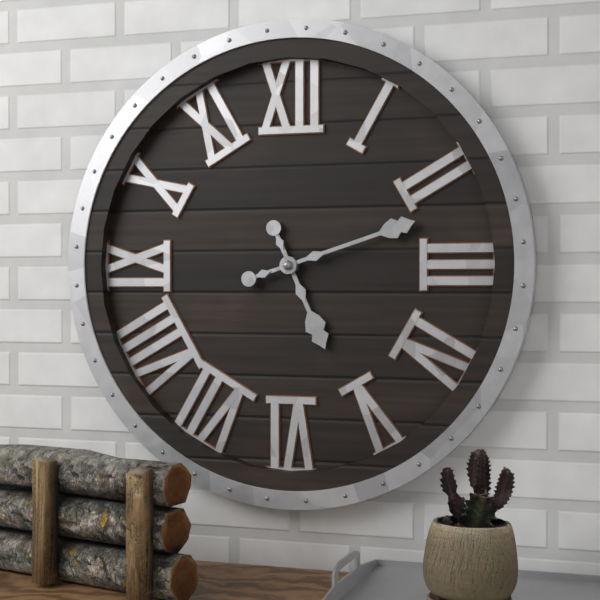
5:12
